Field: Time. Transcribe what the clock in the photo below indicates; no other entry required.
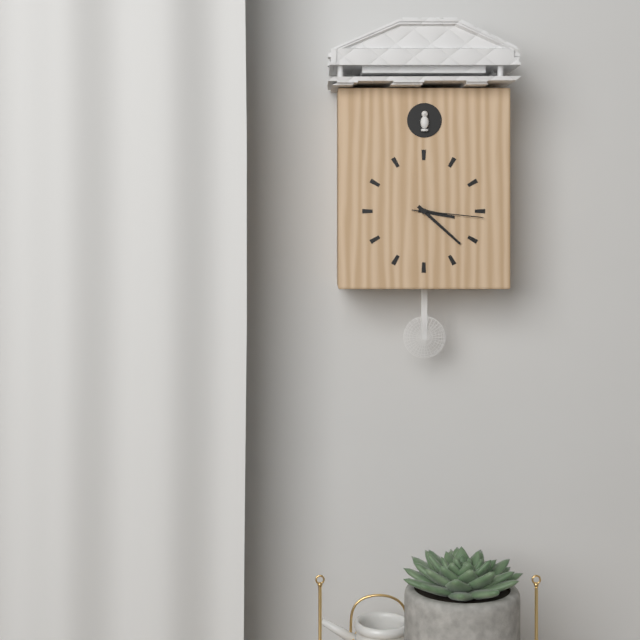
3:22:16
